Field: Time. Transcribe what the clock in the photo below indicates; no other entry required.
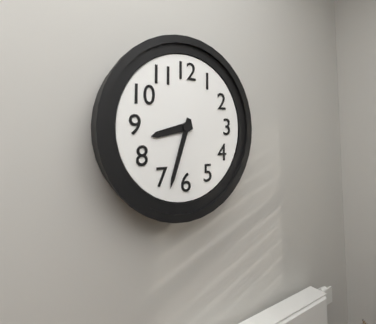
8:33
